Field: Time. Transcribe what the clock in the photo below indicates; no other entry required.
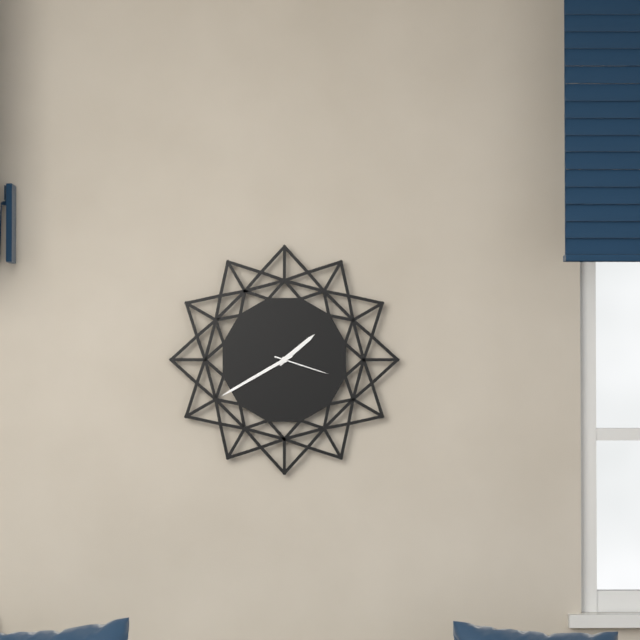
1:40:18
